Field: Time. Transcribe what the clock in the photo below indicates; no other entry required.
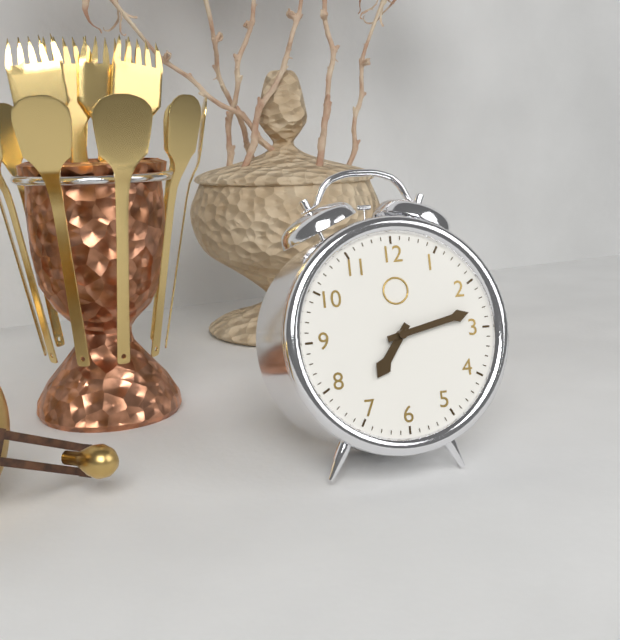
7:13
